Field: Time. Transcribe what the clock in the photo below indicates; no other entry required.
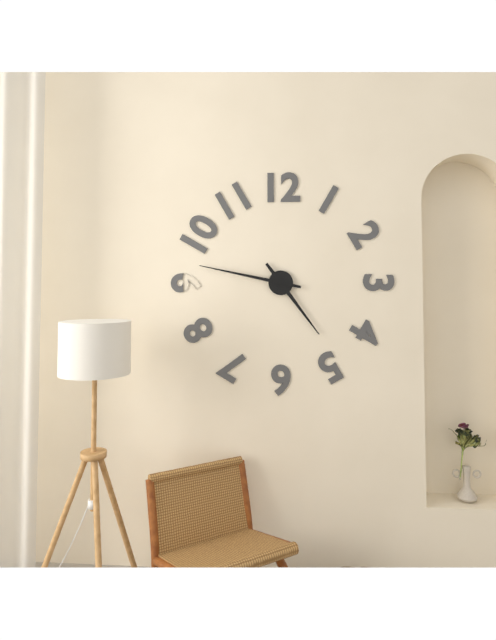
4:47
